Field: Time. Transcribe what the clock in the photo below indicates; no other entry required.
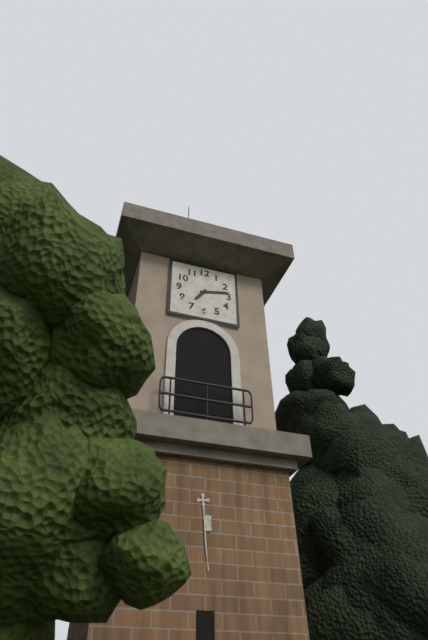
7:13
